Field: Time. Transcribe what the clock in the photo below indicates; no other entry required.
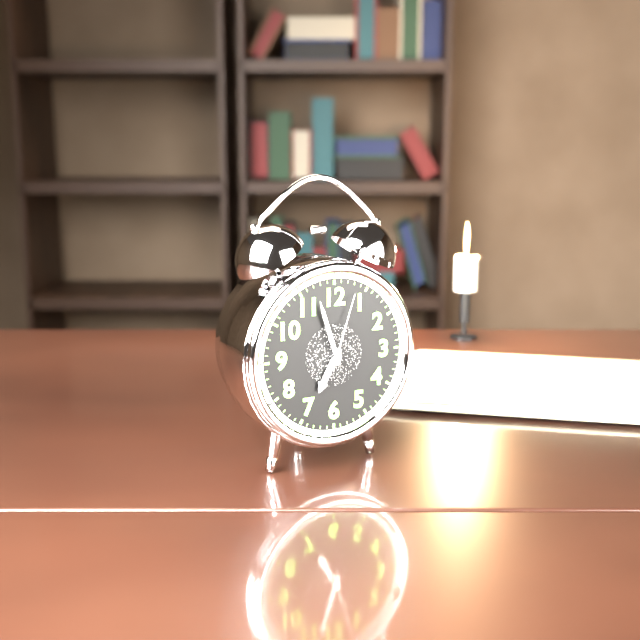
6:57:03
